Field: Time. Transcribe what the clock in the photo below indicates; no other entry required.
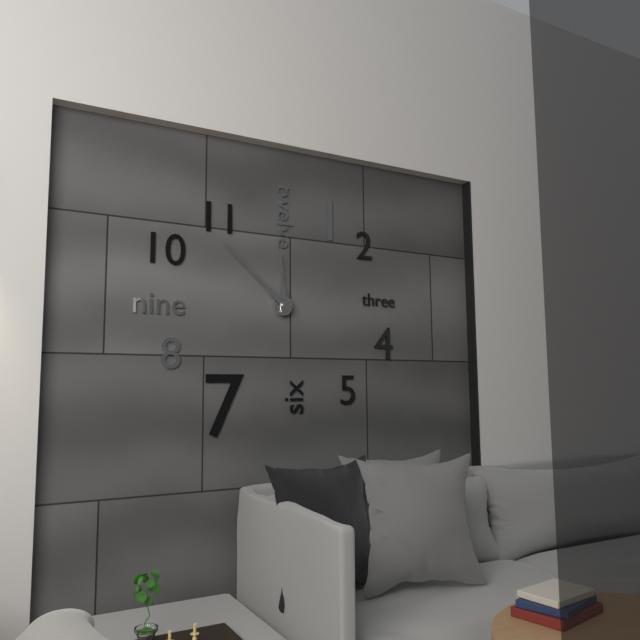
11:52
